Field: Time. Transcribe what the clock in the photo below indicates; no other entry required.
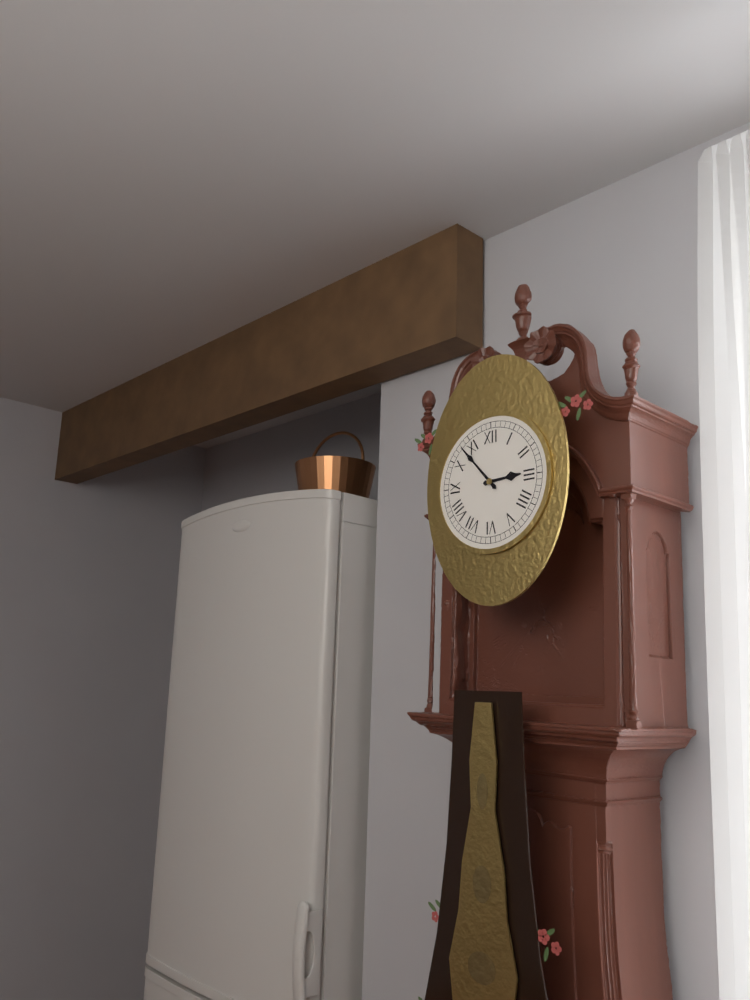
2:53
